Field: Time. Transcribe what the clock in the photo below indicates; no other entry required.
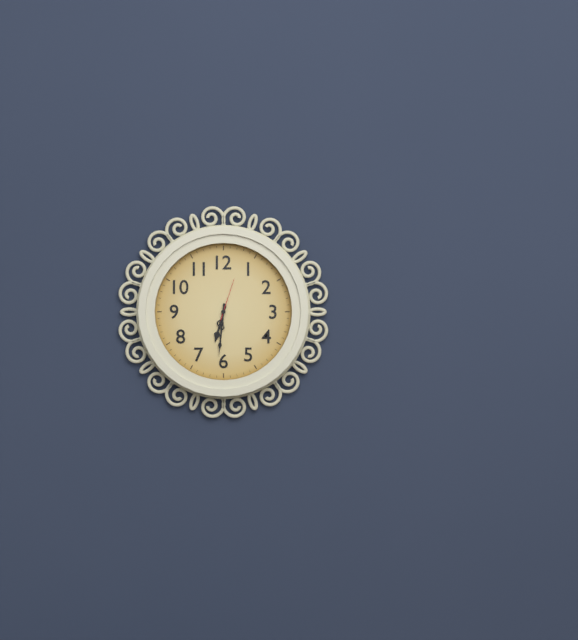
6:31
